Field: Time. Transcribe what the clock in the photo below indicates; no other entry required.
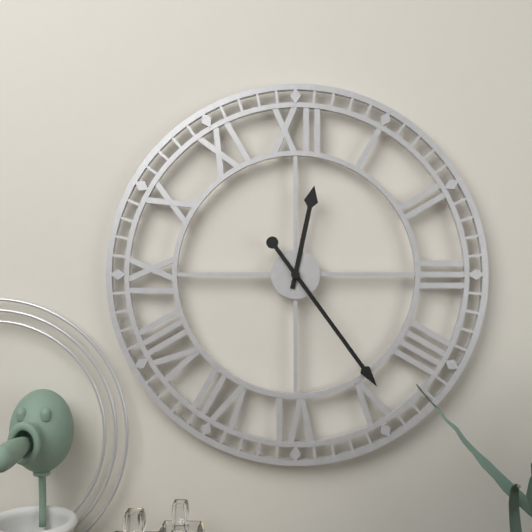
12:24
